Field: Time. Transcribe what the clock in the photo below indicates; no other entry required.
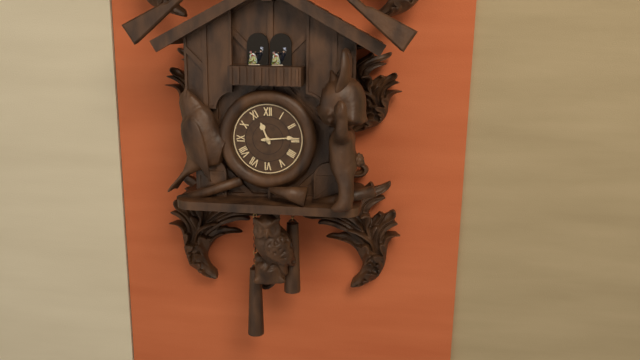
11:14
